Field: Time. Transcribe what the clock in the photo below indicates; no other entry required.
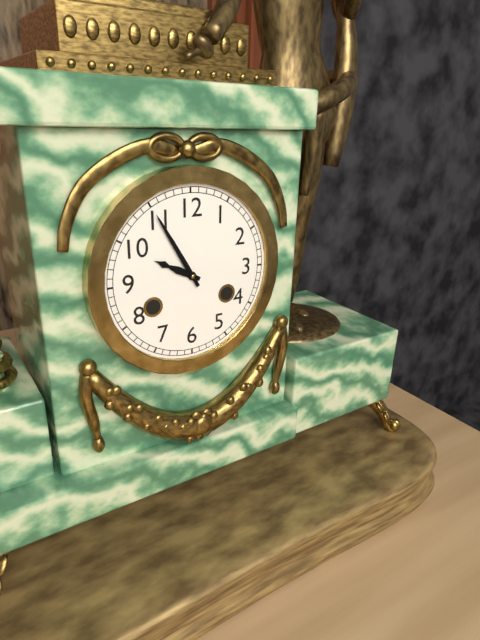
9:55
